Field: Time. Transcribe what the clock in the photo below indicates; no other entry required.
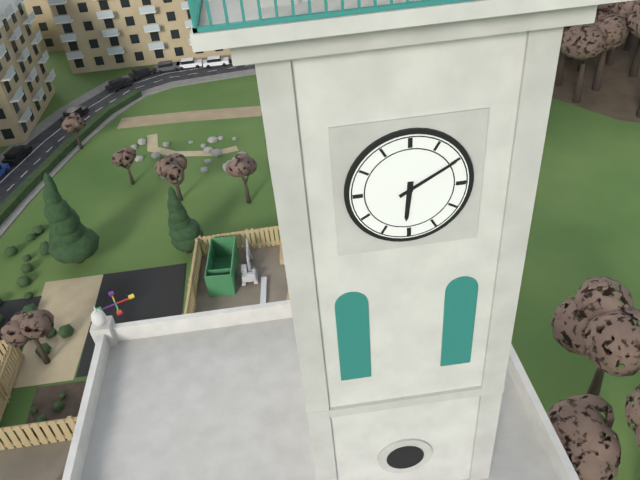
6:10
